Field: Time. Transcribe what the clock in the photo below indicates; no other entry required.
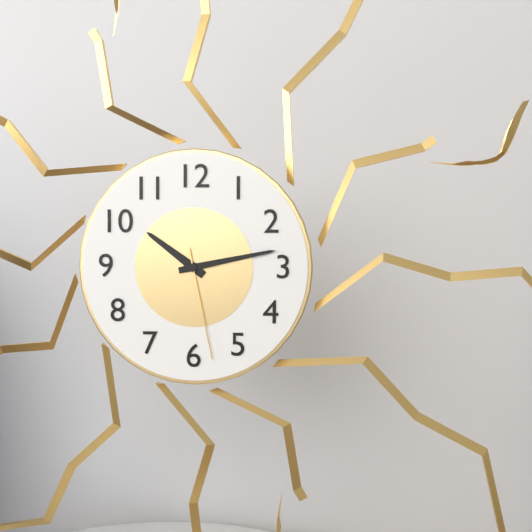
10:13:28
